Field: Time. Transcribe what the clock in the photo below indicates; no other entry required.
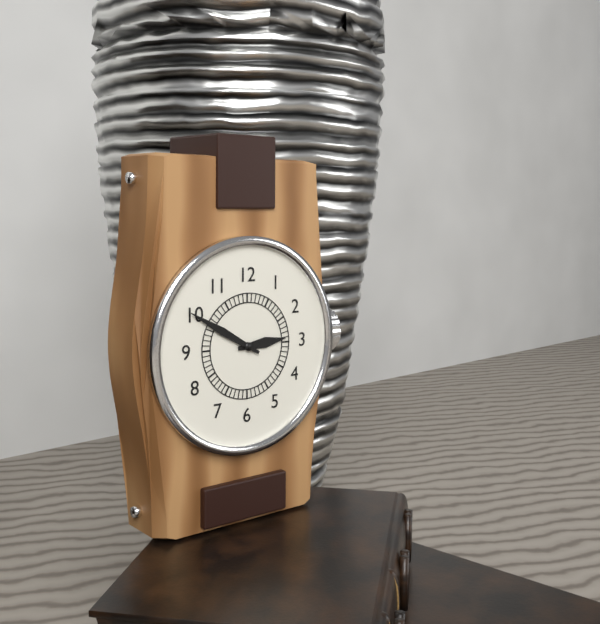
2:50
